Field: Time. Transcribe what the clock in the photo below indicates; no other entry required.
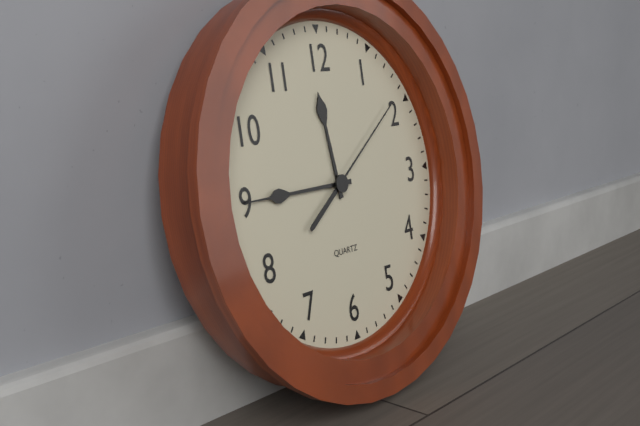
11:45:09
